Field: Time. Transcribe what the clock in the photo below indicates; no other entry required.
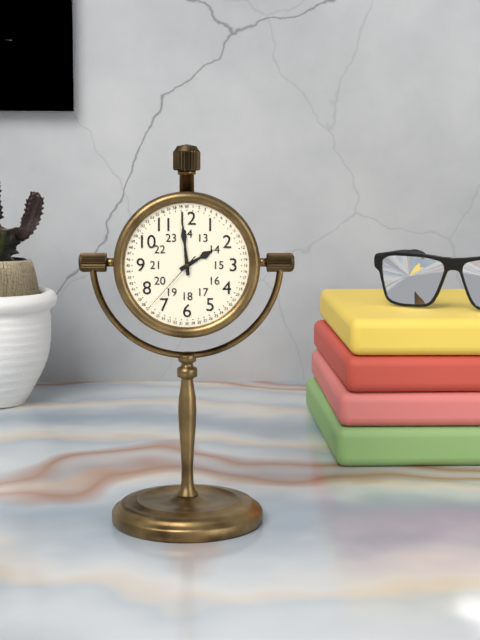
1:59:37
